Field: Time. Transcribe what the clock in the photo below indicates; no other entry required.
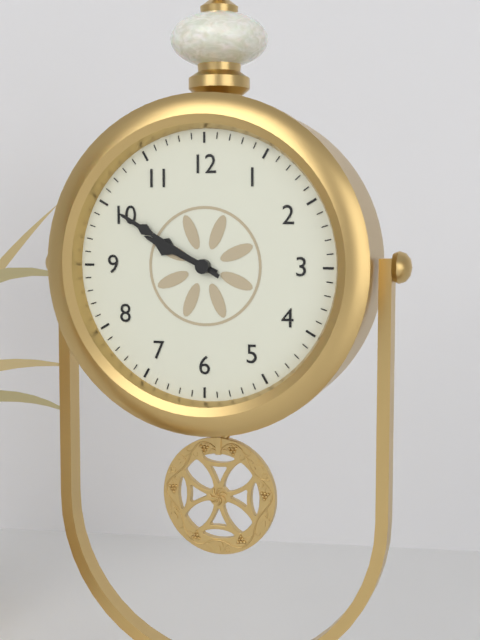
9:50
